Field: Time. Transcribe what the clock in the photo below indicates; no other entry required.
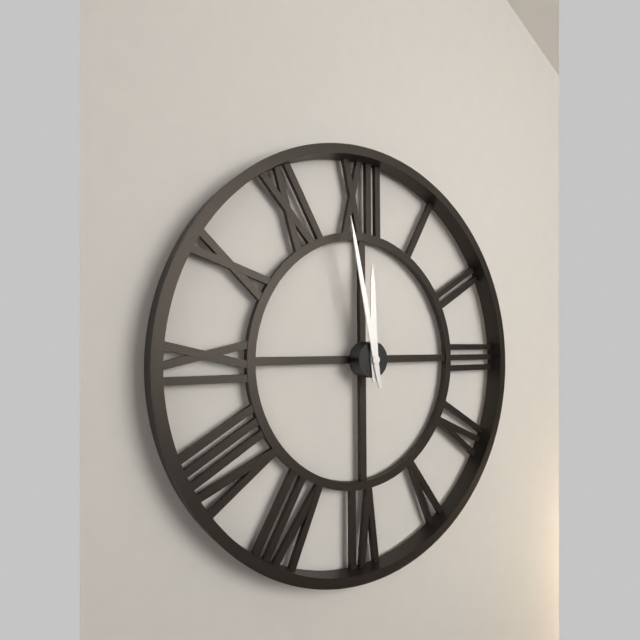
11:58
